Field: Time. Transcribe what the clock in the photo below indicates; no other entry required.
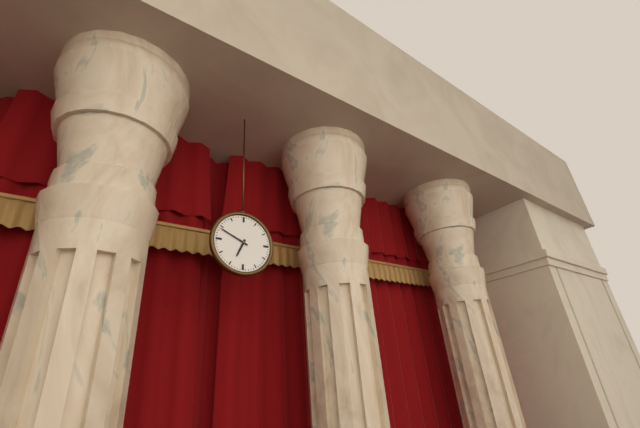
6:49
